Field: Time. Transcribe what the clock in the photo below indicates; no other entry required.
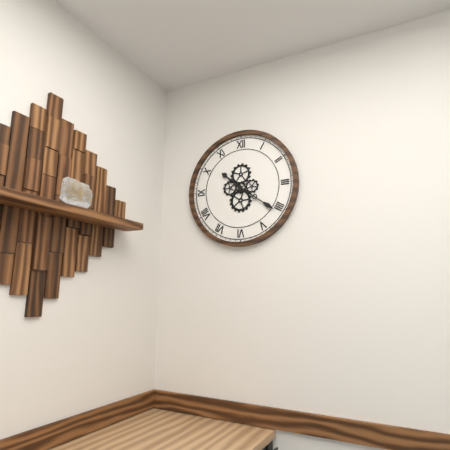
10:21
